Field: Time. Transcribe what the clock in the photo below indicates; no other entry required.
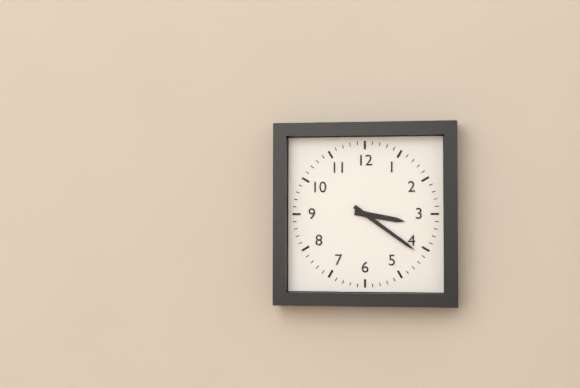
3:21
